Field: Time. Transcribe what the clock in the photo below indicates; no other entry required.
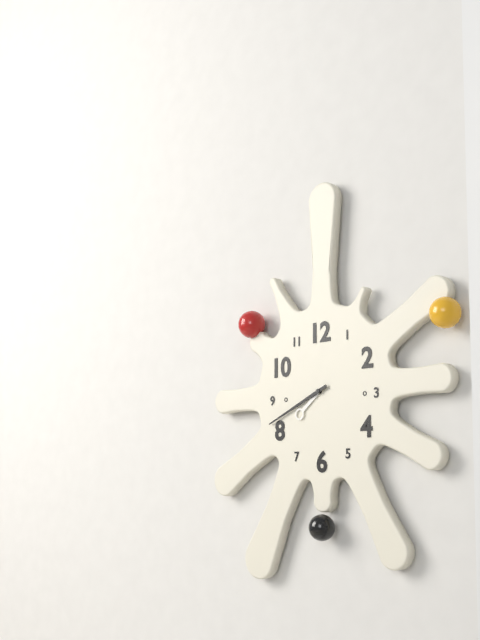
7:41
